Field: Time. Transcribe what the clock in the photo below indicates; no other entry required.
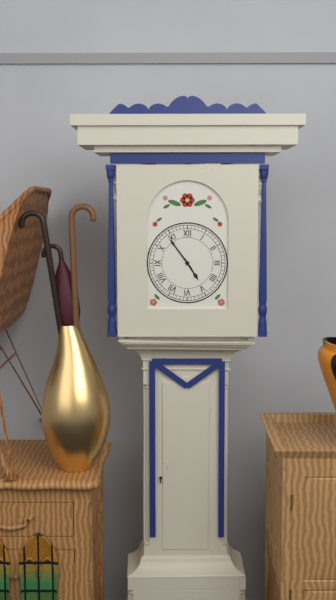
4:54
